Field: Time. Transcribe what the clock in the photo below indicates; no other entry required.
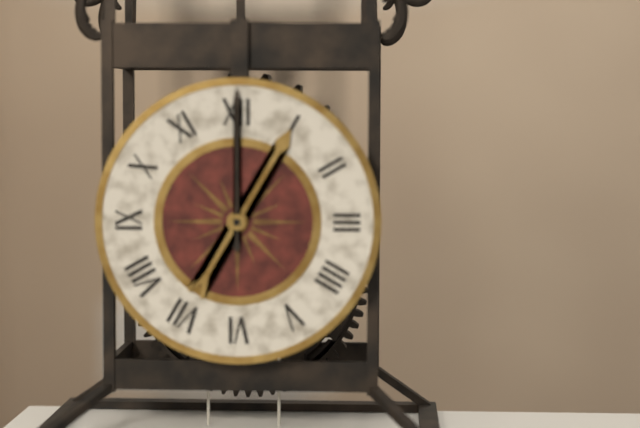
1:00
